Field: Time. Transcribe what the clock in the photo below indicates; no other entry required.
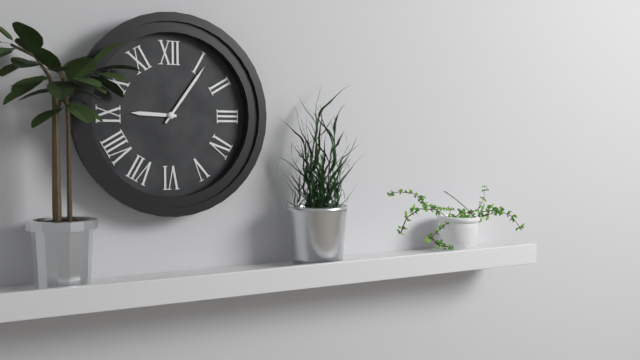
9:06
